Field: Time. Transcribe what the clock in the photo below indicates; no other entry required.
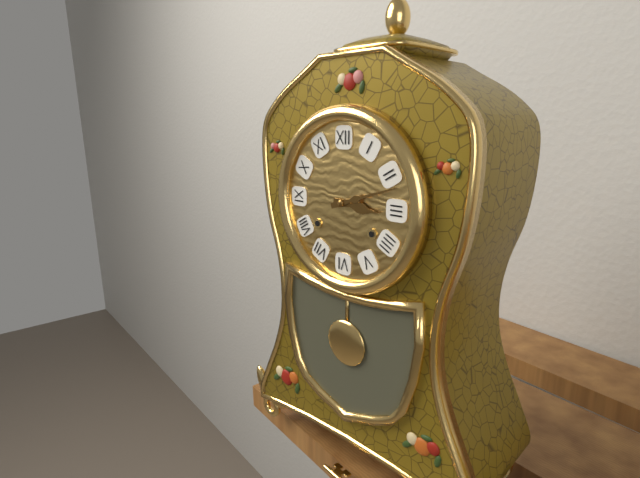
3:12
